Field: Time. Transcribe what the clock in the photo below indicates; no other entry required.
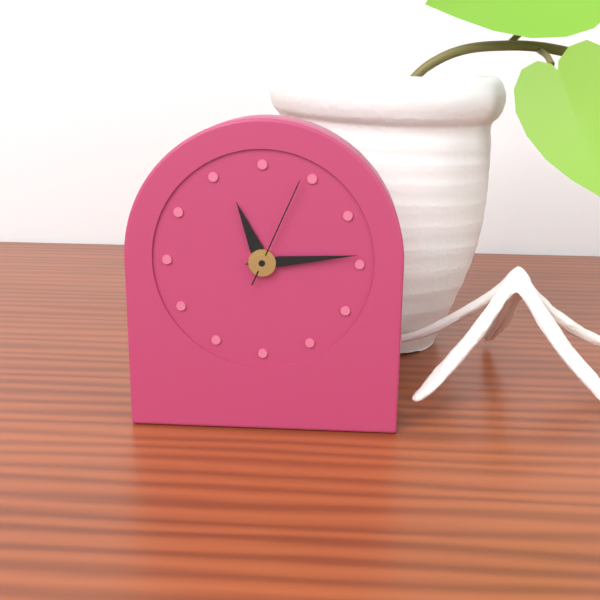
11:14:04
